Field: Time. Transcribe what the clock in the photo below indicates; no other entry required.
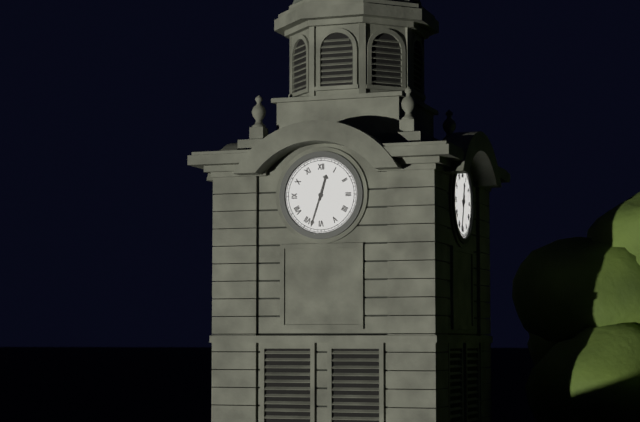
12:33
